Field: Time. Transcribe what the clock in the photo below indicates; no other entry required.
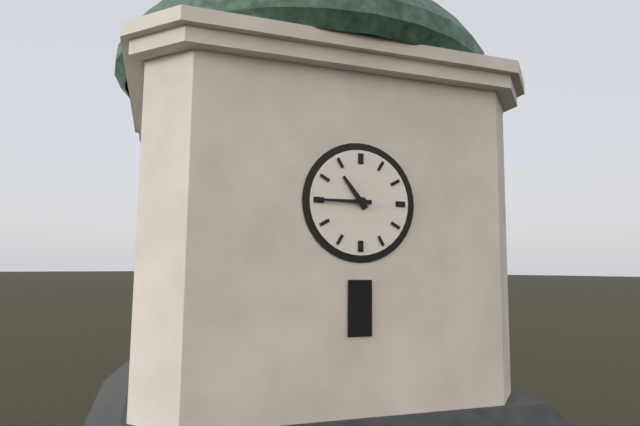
10:45
